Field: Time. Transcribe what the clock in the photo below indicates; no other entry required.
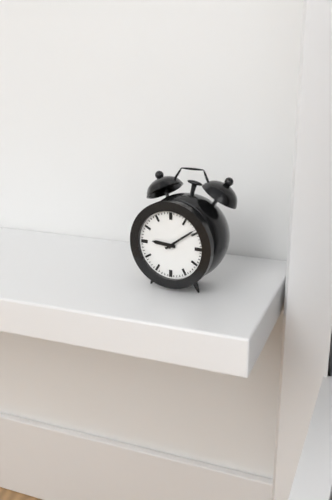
9:09
